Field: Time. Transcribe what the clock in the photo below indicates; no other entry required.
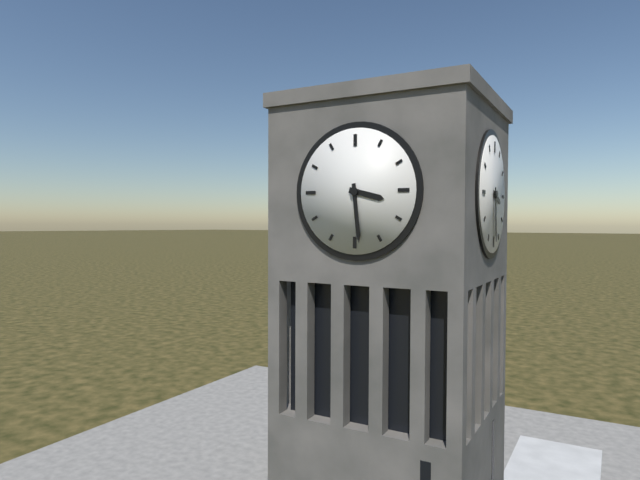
3:29
